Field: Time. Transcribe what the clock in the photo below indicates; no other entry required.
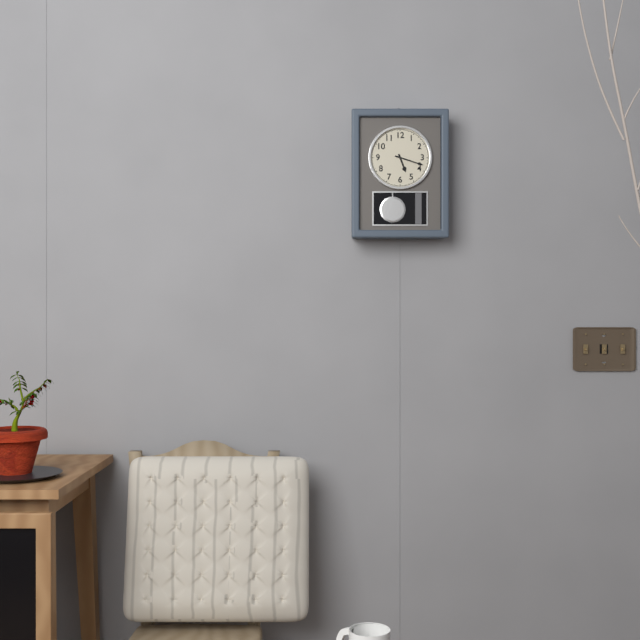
5:18
